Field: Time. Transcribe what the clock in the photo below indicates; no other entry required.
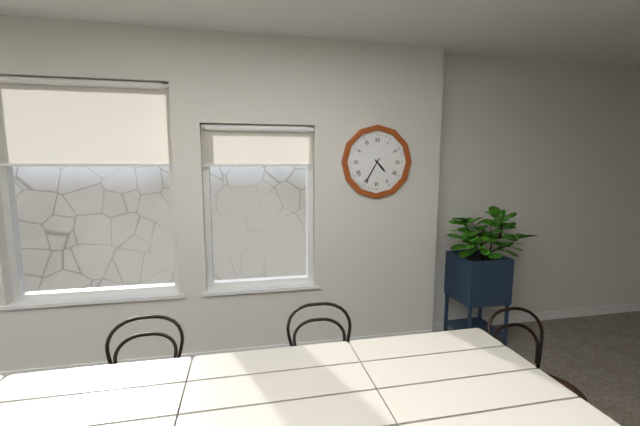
4:35
